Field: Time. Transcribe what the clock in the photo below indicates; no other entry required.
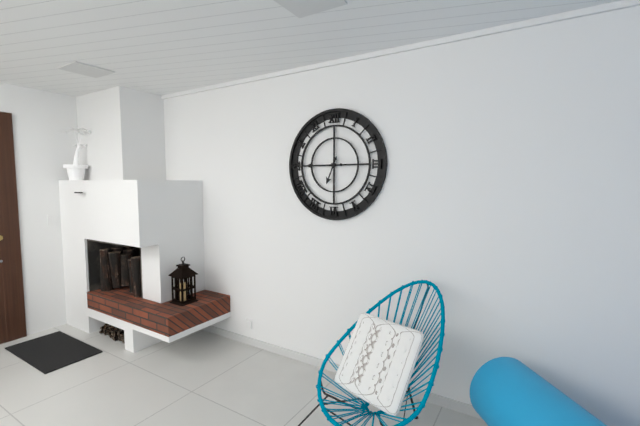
6:45
